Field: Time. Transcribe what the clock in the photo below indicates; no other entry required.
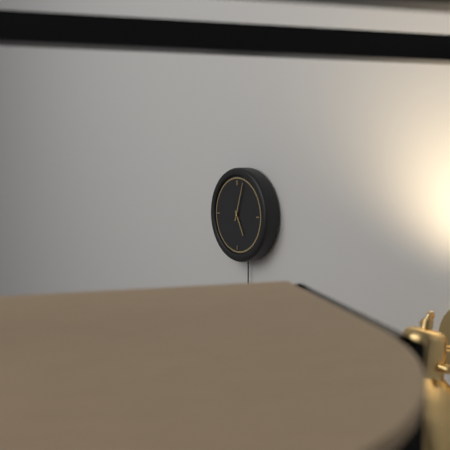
5:03
